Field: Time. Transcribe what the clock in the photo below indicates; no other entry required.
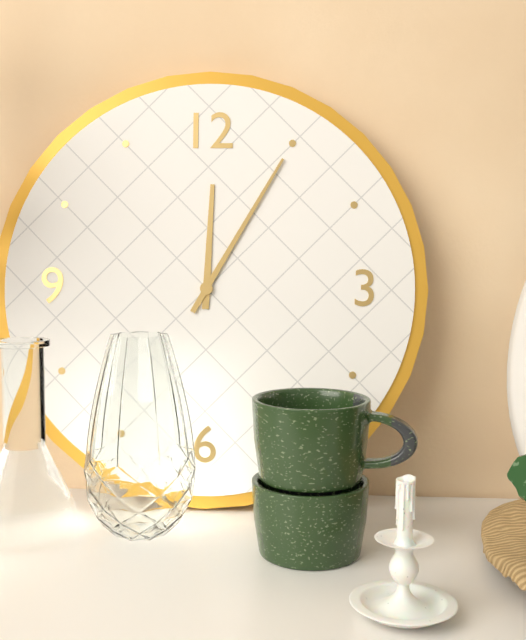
12:05
